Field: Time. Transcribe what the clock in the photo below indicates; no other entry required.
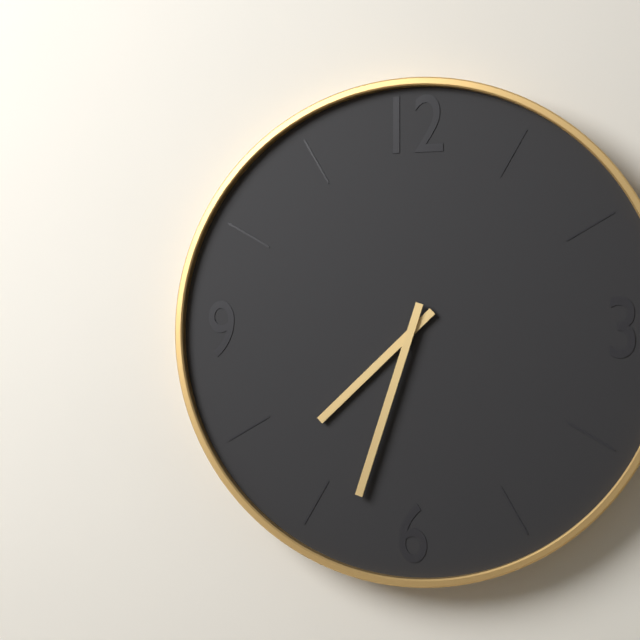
7:33
